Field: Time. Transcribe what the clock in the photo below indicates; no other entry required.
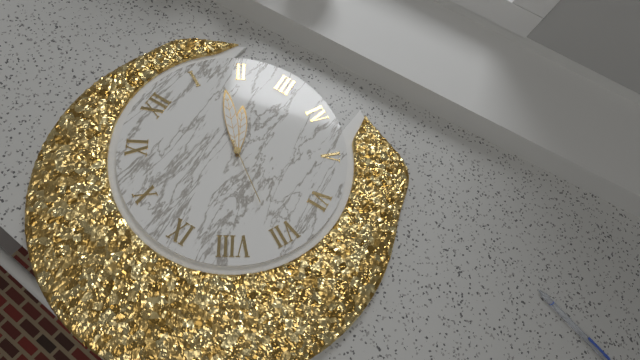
2:08:36
